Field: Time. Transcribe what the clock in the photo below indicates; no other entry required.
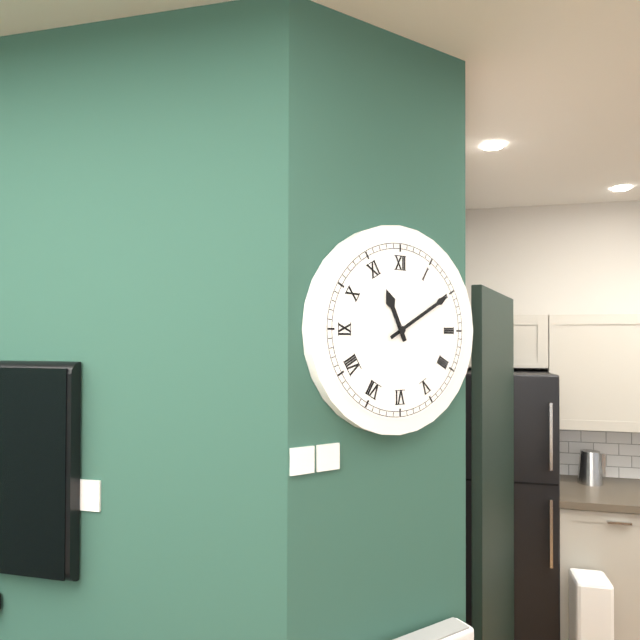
11:10
